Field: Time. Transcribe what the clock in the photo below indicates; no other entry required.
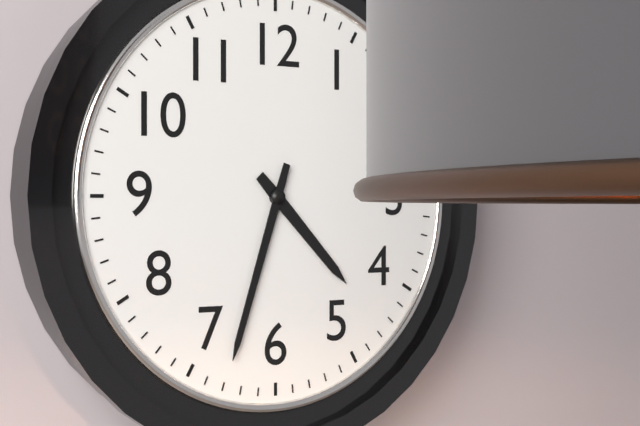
4:33
